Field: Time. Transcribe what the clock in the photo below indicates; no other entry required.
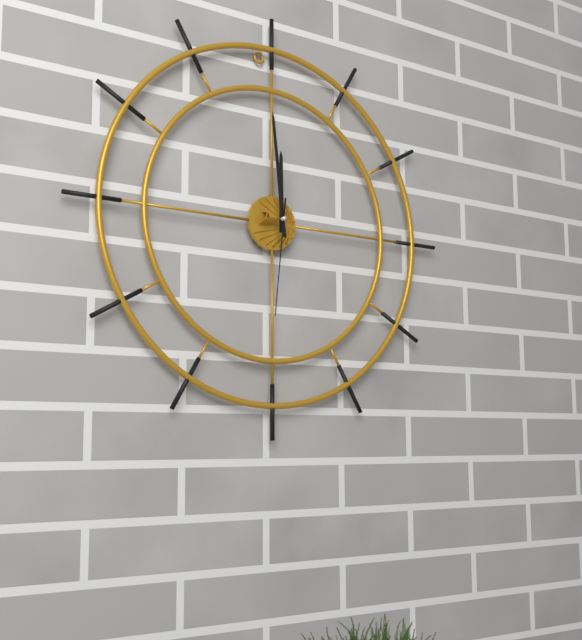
11:59:31
